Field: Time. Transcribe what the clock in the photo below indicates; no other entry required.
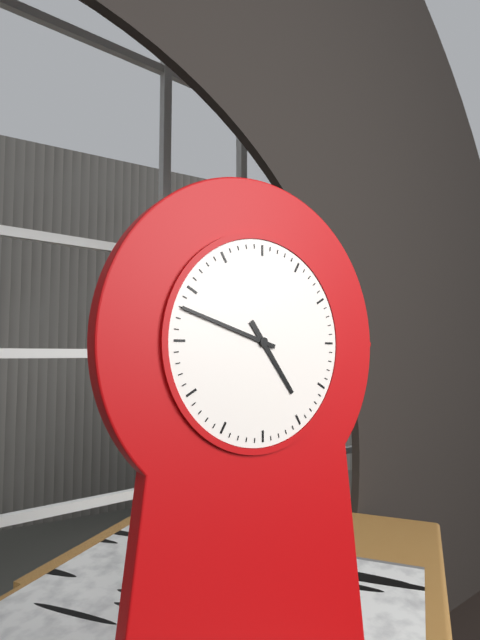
4:48
